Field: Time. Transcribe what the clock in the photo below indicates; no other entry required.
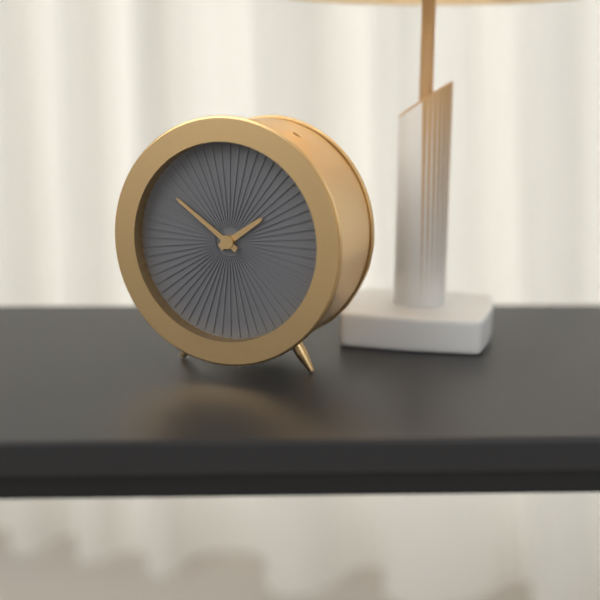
1:51
